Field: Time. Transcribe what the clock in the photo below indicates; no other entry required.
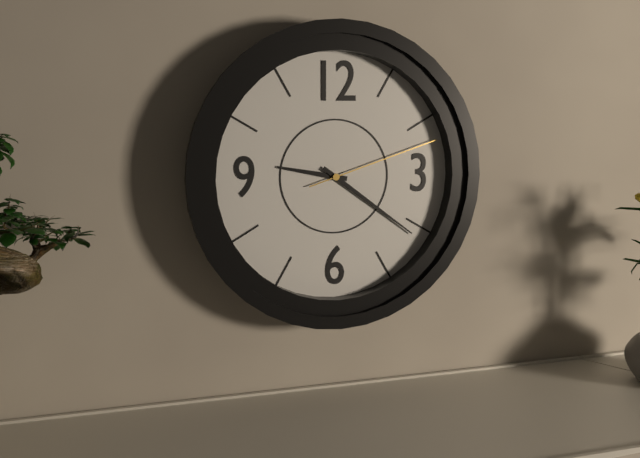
9:21:12
